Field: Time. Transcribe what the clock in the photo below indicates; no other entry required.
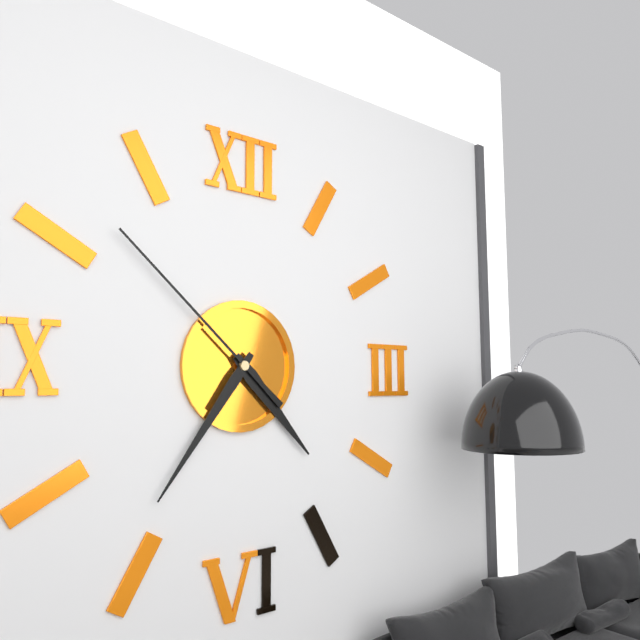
4:36:52
